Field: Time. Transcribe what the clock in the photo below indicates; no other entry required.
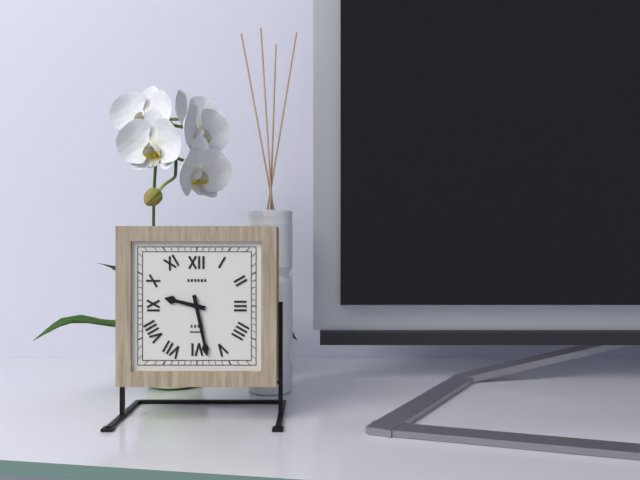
9:28
